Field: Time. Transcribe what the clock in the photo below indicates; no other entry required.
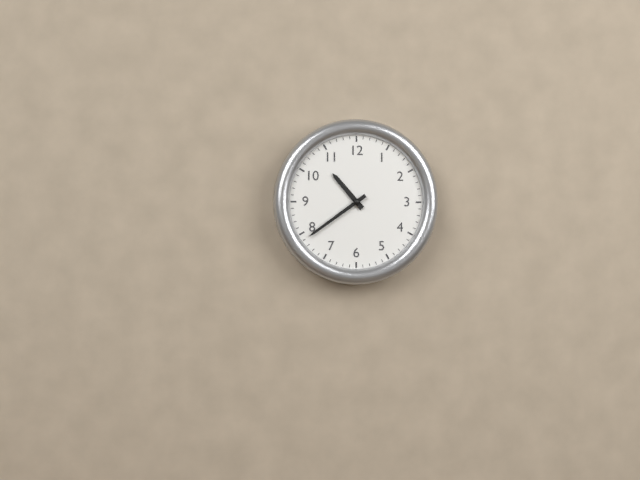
10:39
